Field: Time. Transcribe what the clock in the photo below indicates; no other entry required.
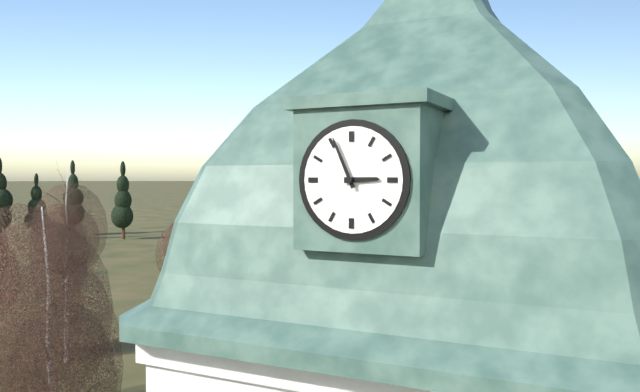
2:56
